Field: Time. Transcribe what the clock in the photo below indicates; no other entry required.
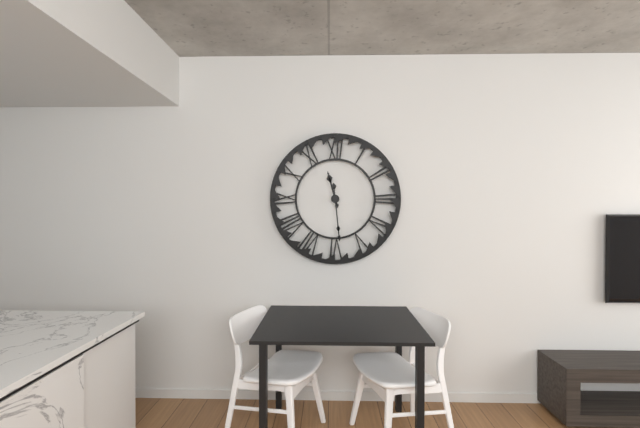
11:29
